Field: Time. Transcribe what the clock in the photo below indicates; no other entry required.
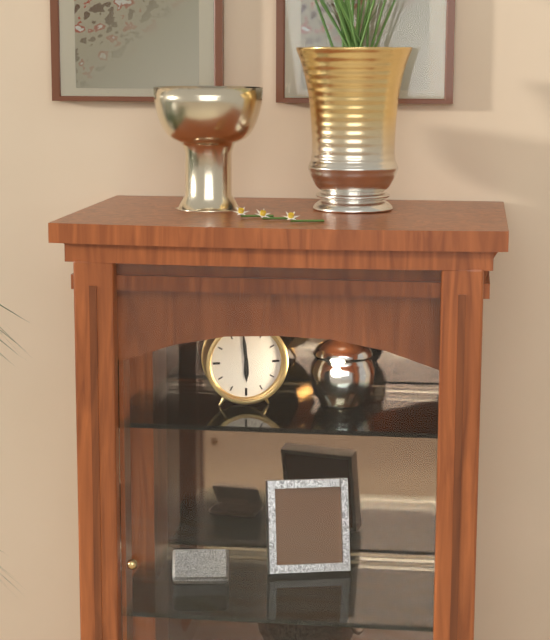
5:59
